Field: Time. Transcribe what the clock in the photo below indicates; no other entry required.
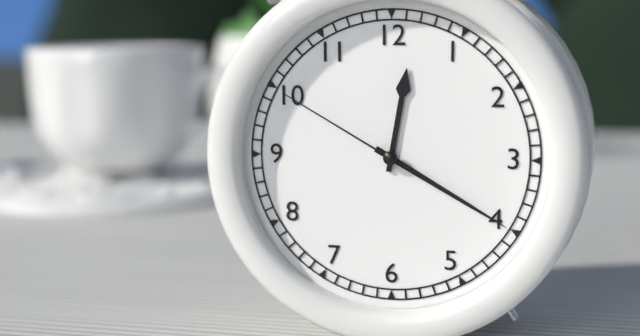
12:20:50
